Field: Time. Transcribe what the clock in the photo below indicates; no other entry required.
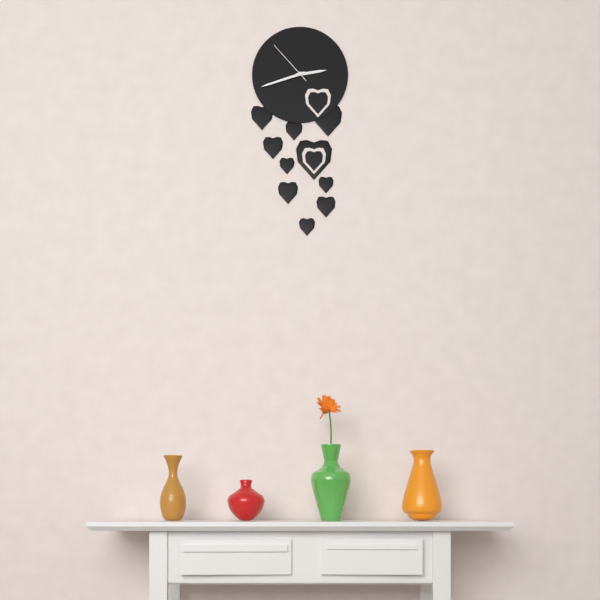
2:42
